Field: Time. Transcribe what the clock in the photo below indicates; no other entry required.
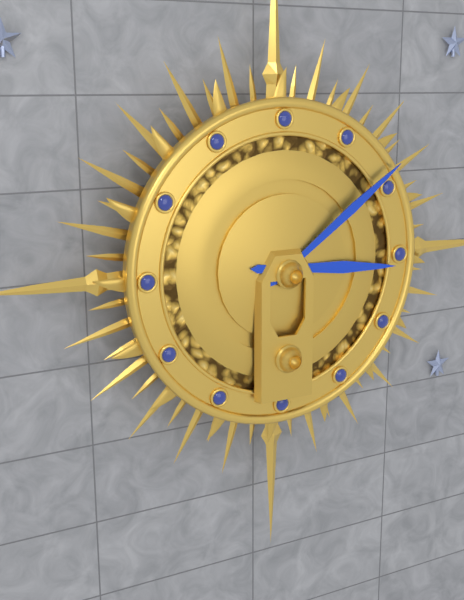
3:09
